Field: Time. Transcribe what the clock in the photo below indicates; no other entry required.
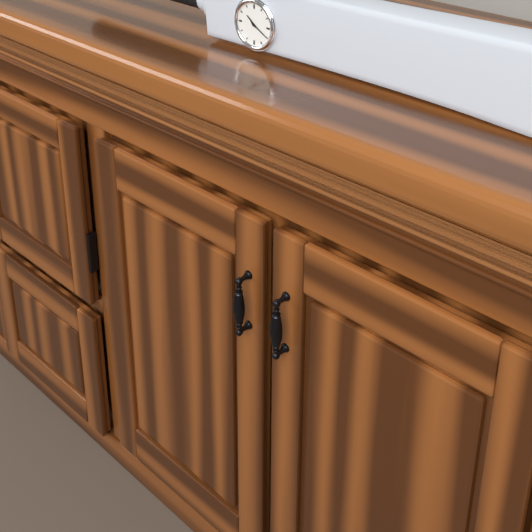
10:20
